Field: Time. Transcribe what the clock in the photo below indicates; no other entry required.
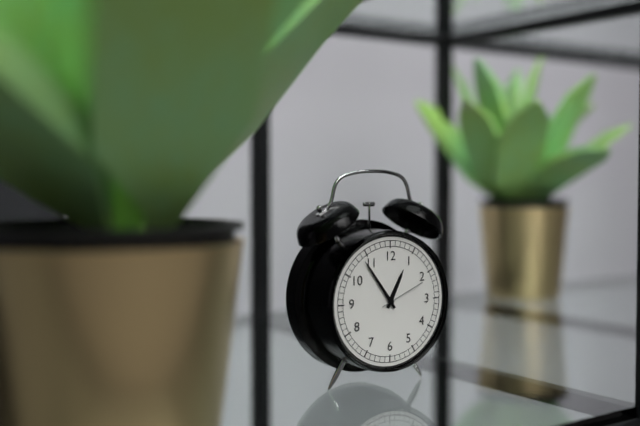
12:54
